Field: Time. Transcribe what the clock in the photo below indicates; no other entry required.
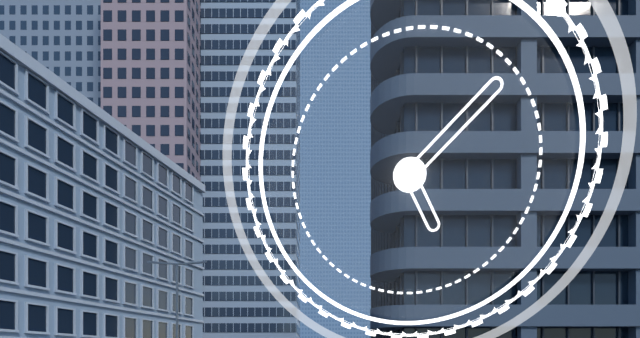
5:08
